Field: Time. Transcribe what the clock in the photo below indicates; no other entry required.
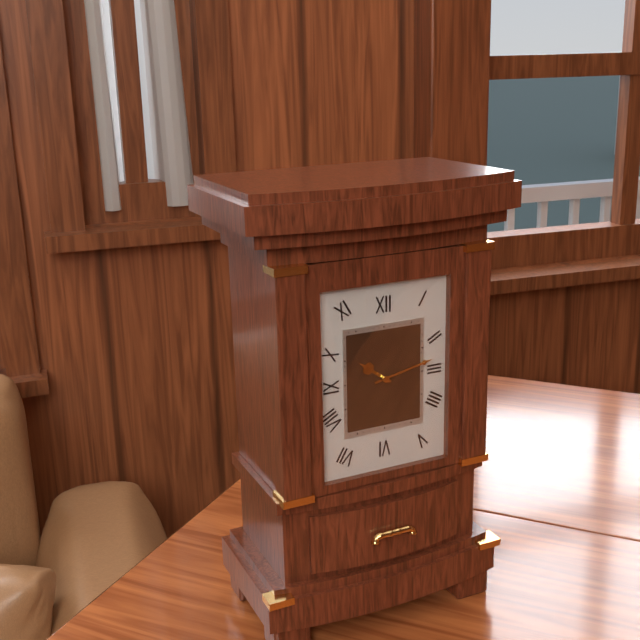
10:13
